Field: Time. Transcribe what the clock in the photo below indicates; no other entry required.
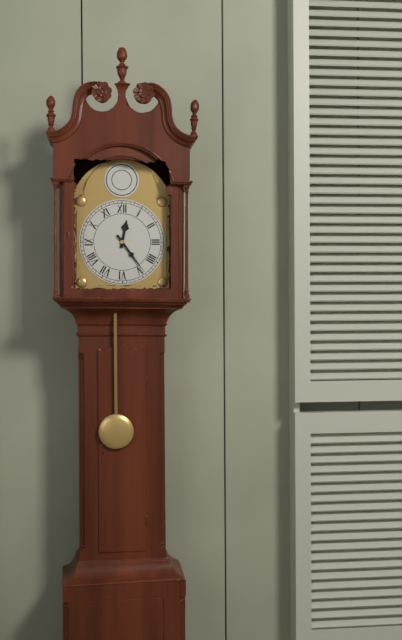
12:24
